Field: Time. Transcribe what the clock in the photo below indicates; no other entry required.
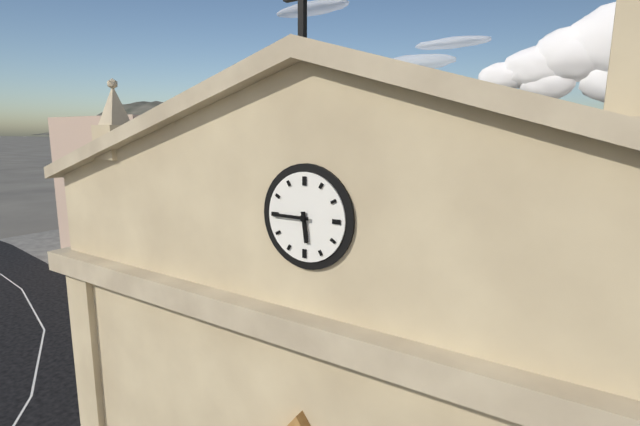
5:45
